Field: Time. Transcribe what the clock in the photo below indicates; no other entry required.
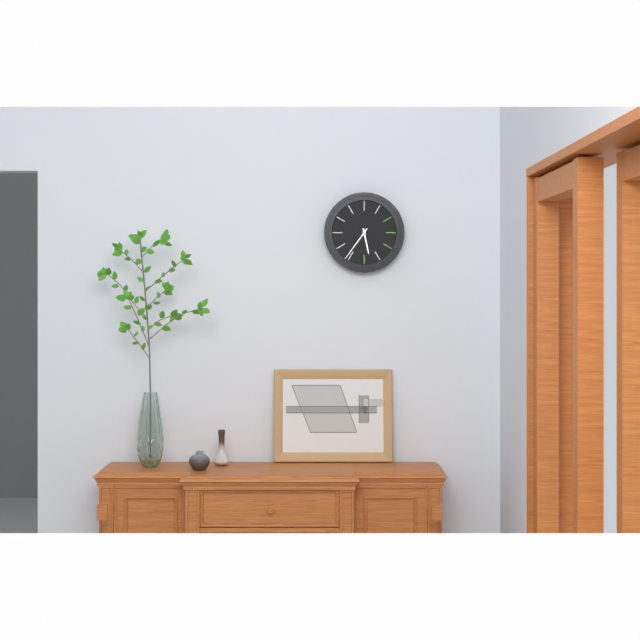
5:36
